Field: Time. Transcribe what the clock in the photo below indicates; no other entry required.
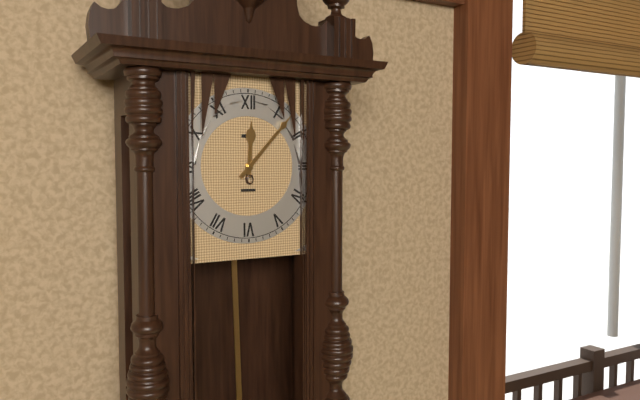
12:07
